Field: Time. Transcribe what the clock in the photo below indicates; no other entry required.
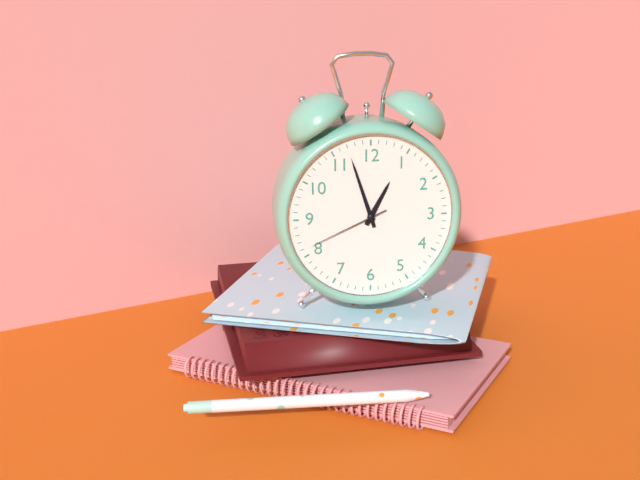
12:57:41
